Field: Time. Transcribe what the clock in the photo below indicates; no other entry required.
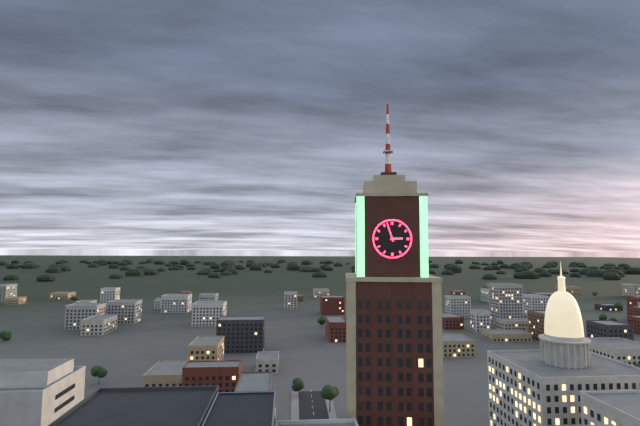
2:57
